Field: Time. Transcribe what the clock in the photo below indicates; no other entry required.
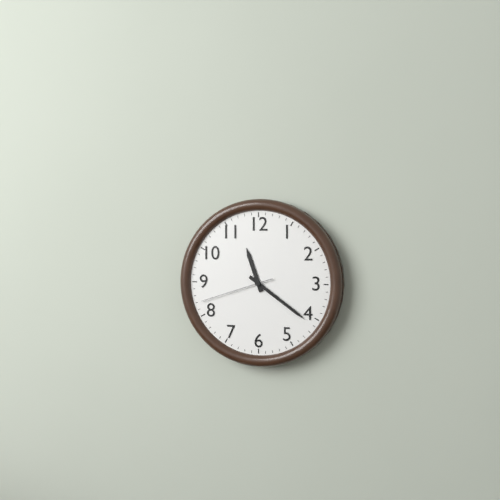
11:21:42
